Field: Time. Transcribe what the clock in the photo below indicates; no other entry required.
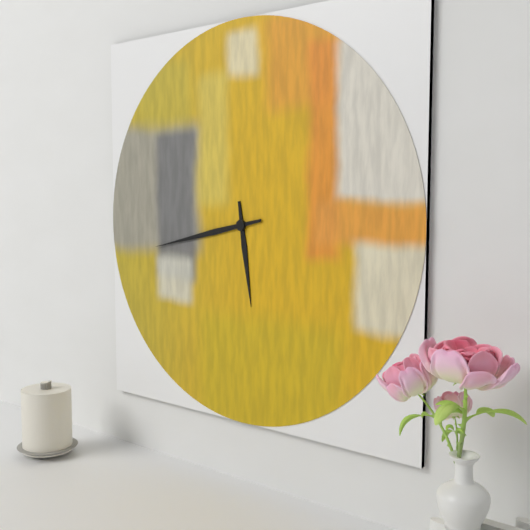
5:43
